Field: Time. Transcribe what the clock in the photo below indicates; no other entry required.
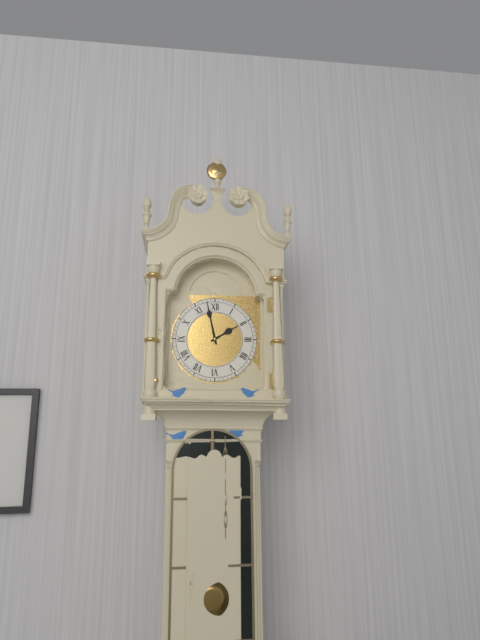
1:58
